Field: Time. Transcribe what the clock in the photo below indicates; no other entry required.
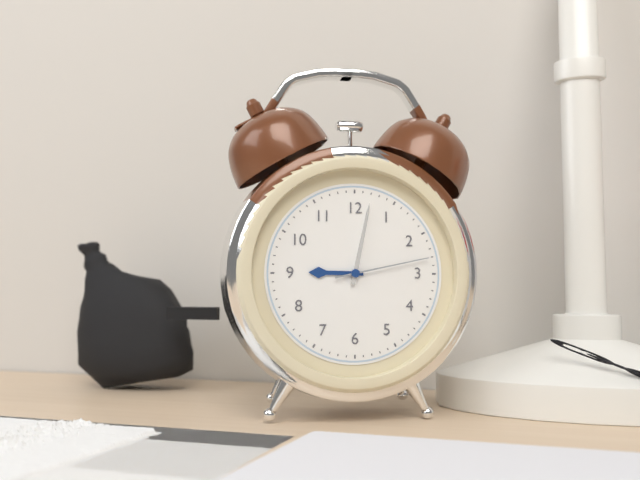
9:02:13
